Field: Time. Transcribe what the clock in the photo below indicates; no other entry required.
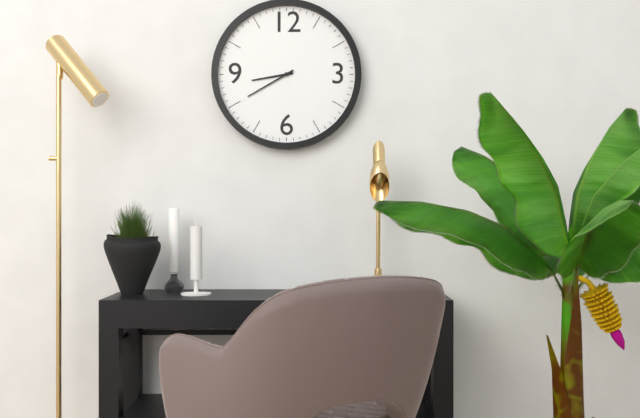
8:40
